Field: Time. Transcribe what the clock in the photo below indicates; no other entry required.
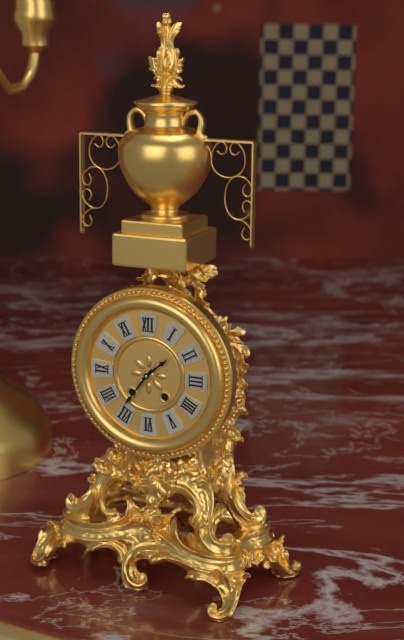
1:36
